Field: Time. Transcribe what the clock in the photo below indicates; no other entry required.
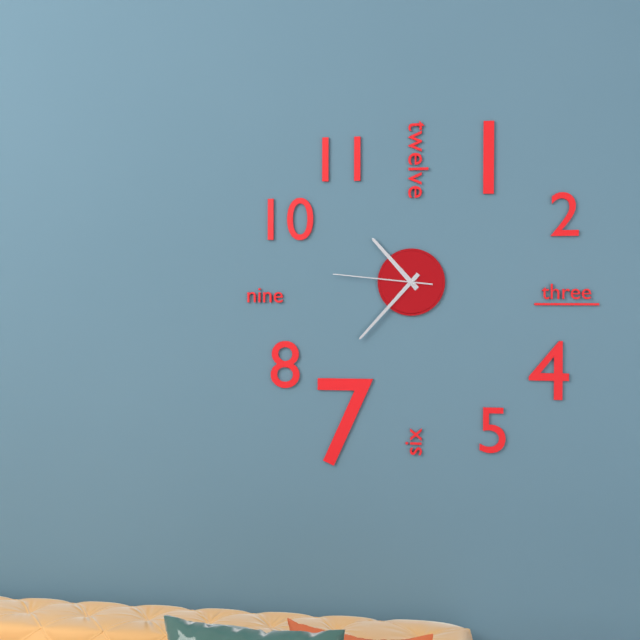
10:37:46
